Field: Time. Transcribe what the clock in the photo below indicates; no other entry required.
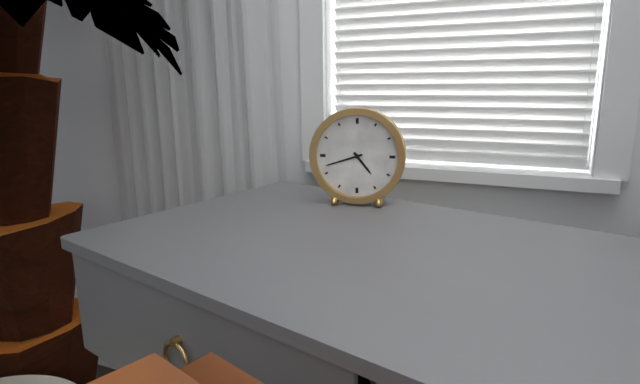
4:42
